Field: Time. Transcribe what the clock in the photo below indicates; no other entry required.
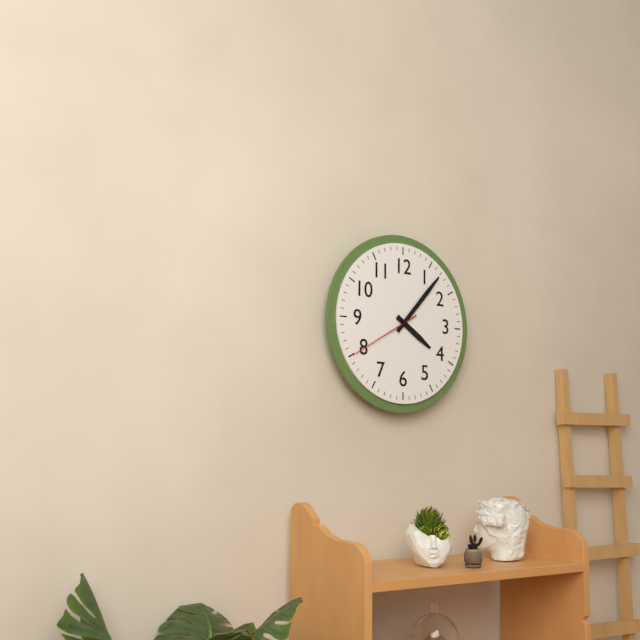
4:07:40
